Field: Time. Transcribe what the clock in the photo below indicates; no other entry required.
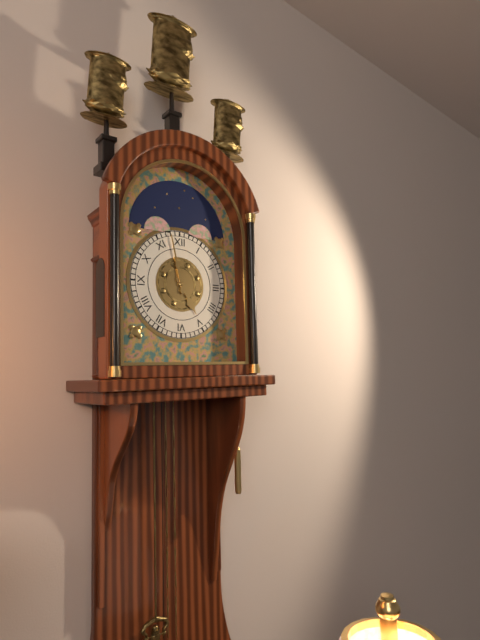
4:58
